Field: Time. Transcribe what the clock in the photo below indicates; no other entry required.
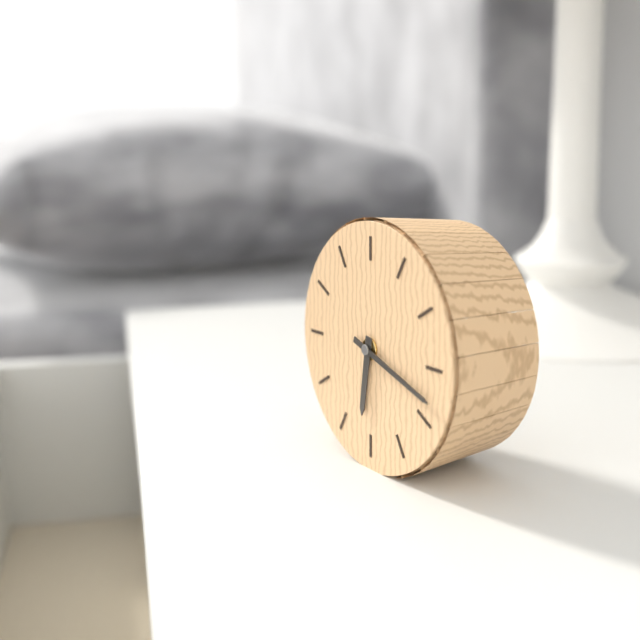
6:18
